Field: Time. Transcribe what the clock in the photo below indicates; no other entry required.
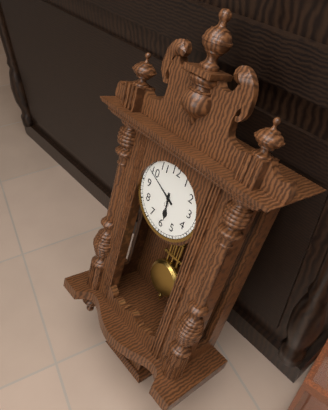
5:49
